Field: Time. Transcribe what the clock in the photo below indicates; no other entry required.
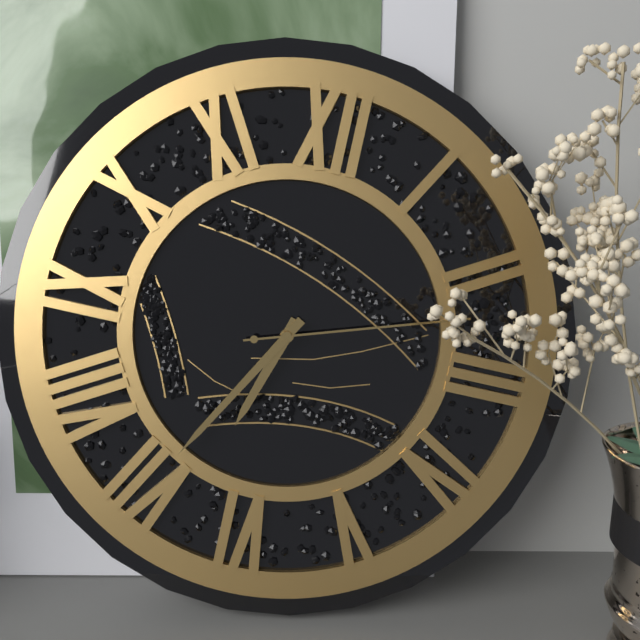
6:35:12
